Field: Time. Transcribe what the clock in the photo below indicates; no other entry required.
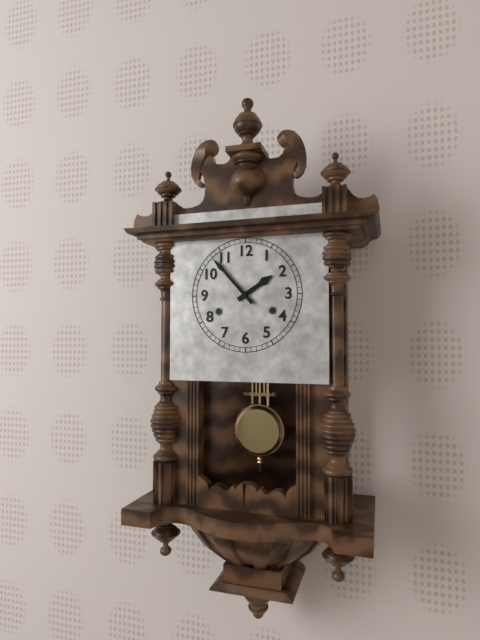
1:53
